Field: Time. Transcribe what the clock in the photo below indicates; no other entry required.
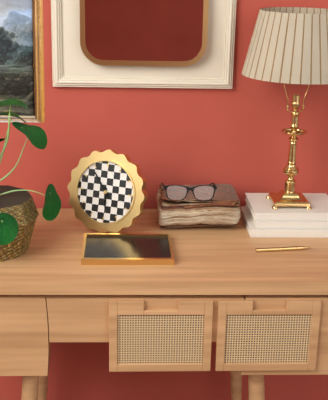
5:54
